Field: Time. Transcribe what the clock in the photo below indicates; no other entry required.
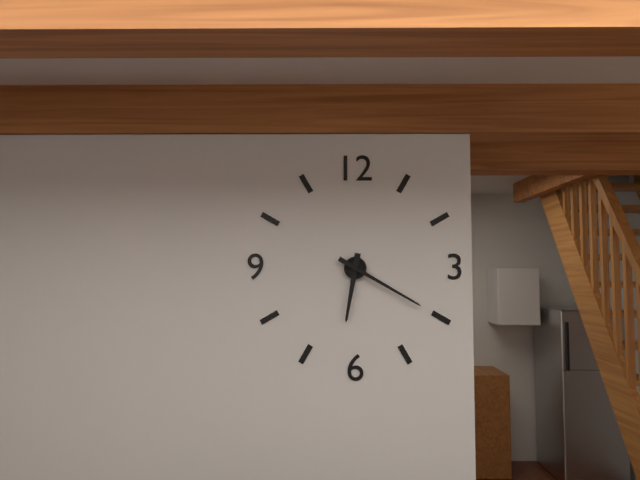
6:20
